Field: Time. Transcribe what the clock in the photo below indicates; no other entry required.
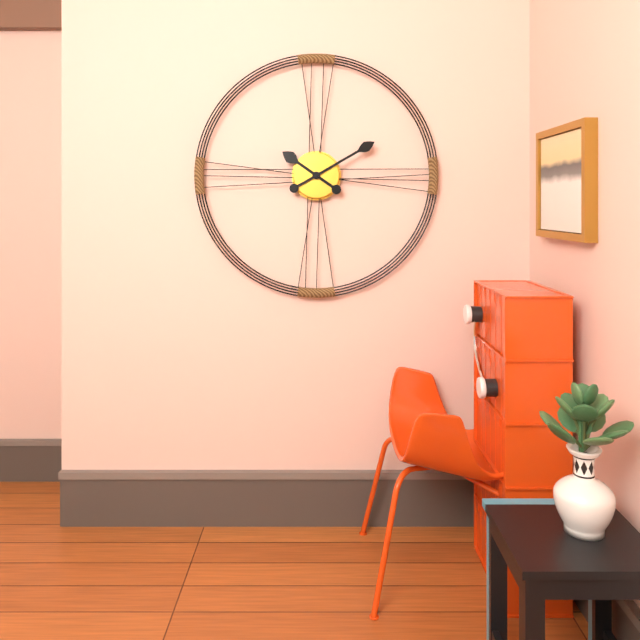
10:10
